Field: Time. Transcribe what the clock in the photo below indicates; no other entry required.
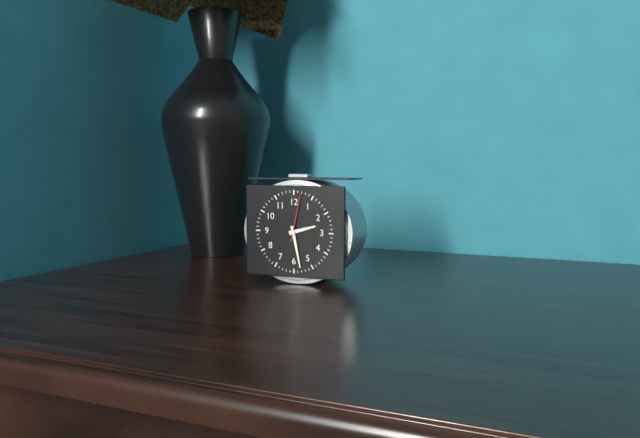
2:28
